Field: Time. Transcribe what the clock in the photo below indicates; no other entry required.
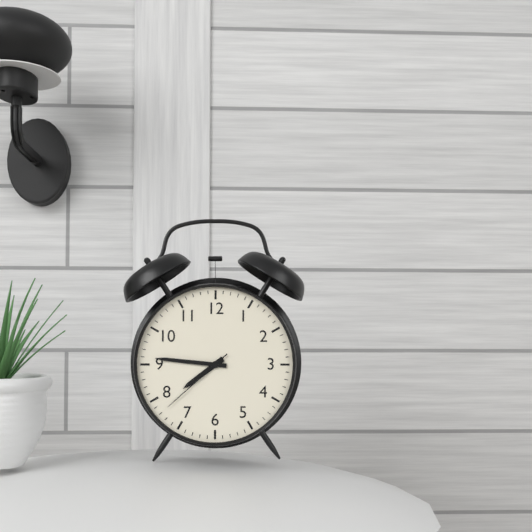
7:46:38
